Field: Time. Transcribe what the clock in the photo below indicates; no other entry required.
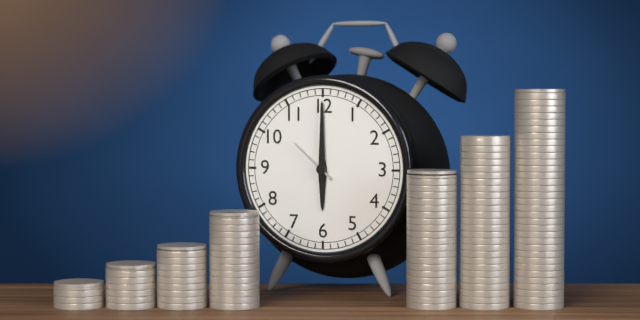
6:00
